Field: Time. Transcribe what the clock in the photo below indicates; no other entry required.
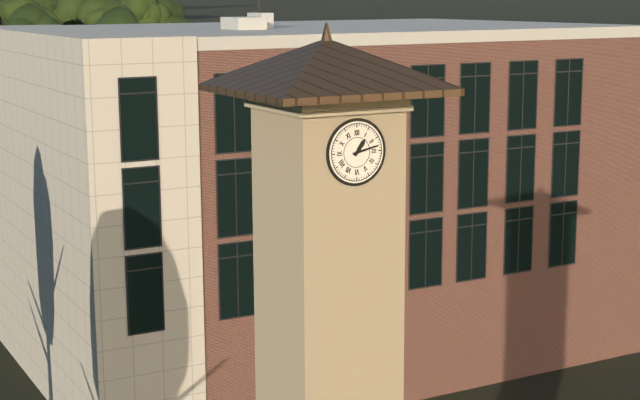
1:13
